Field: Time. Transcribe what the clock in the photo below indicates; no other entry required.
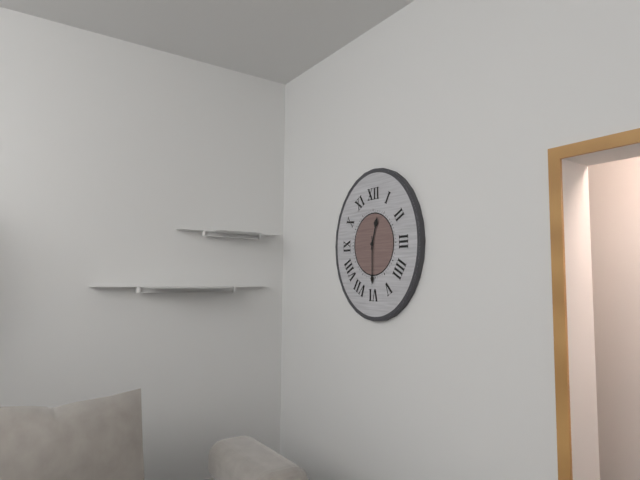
12:30
